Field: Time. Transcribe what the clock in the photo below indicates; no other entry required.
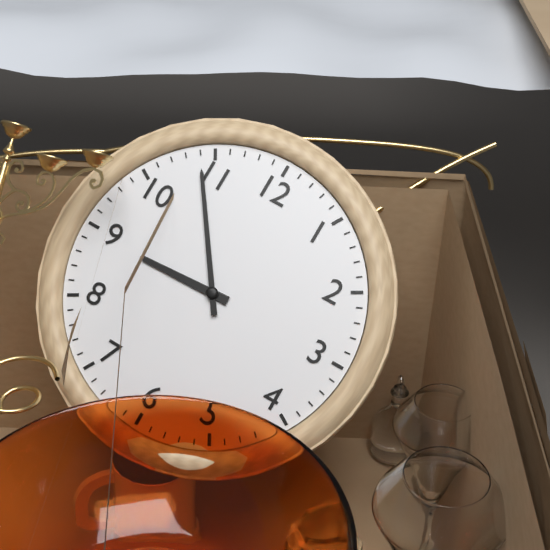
8:54
